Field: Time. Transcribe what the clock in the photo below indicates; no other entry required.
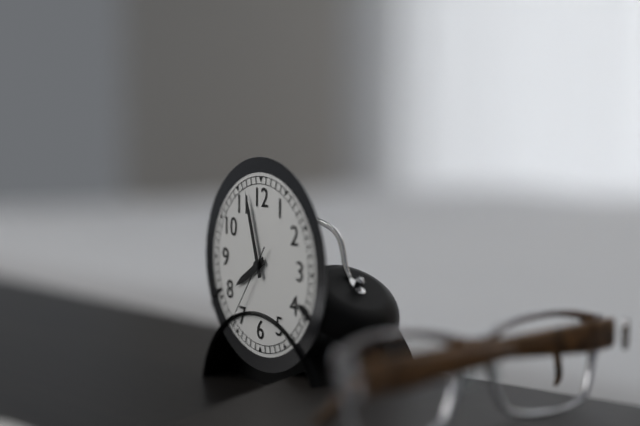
7:57:36
